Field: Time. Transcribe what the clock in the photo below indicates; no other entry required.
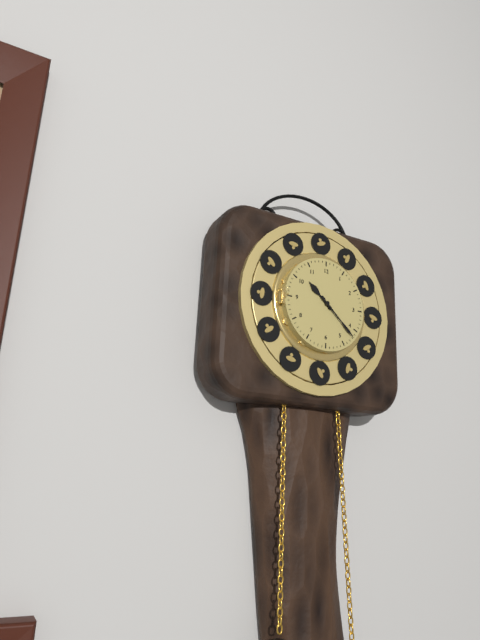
10:22
